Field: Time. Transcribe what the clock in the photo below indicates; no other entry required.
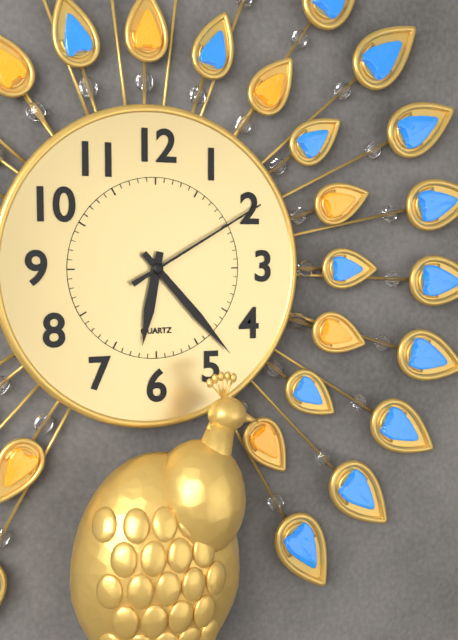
6:23:10
